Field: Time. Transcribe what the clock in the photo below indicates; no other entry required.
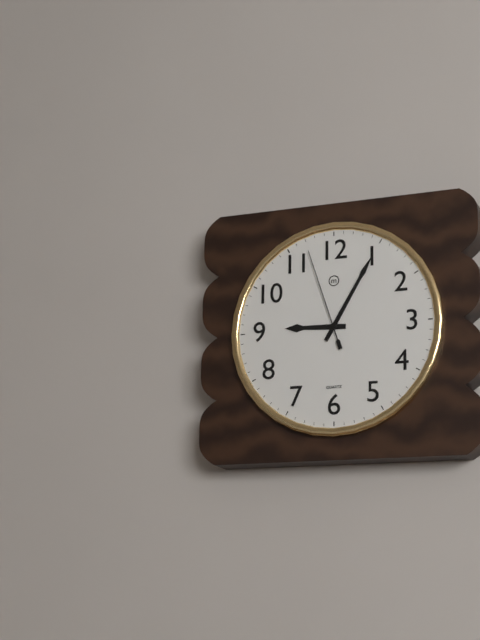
9:05:57
